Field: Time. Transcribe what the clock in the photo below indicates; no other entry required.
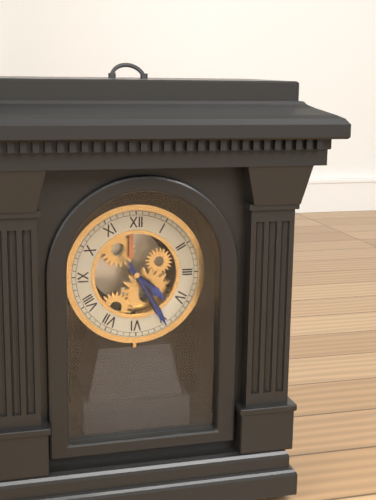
4:25
